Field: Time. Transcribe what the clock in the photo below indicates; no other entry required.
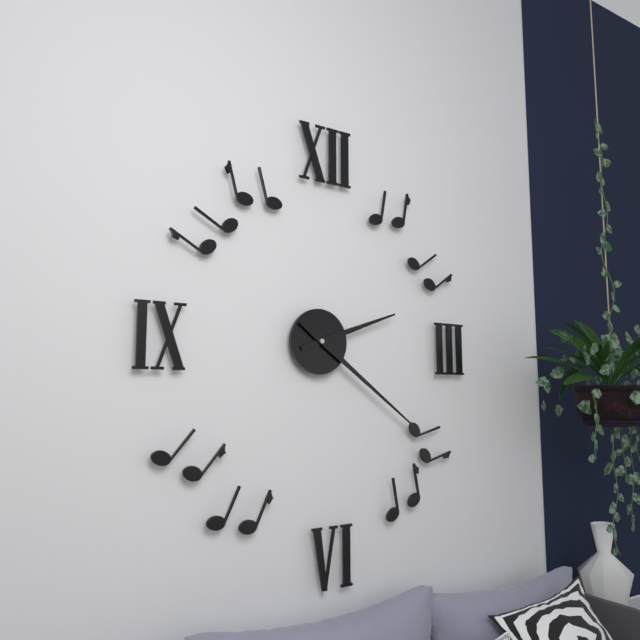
2:21
